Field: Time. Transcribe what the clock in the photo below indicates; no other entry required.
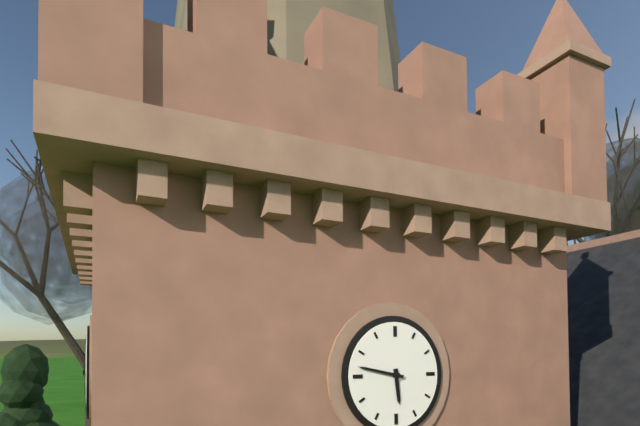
5:47
